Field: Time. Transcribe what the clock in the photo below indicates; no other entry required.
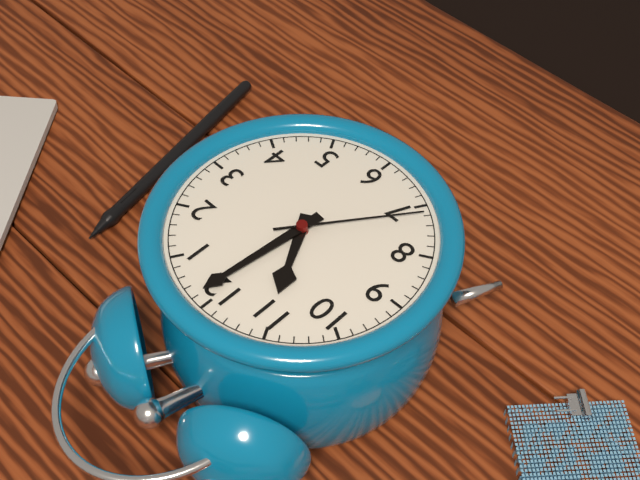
11:01:36
